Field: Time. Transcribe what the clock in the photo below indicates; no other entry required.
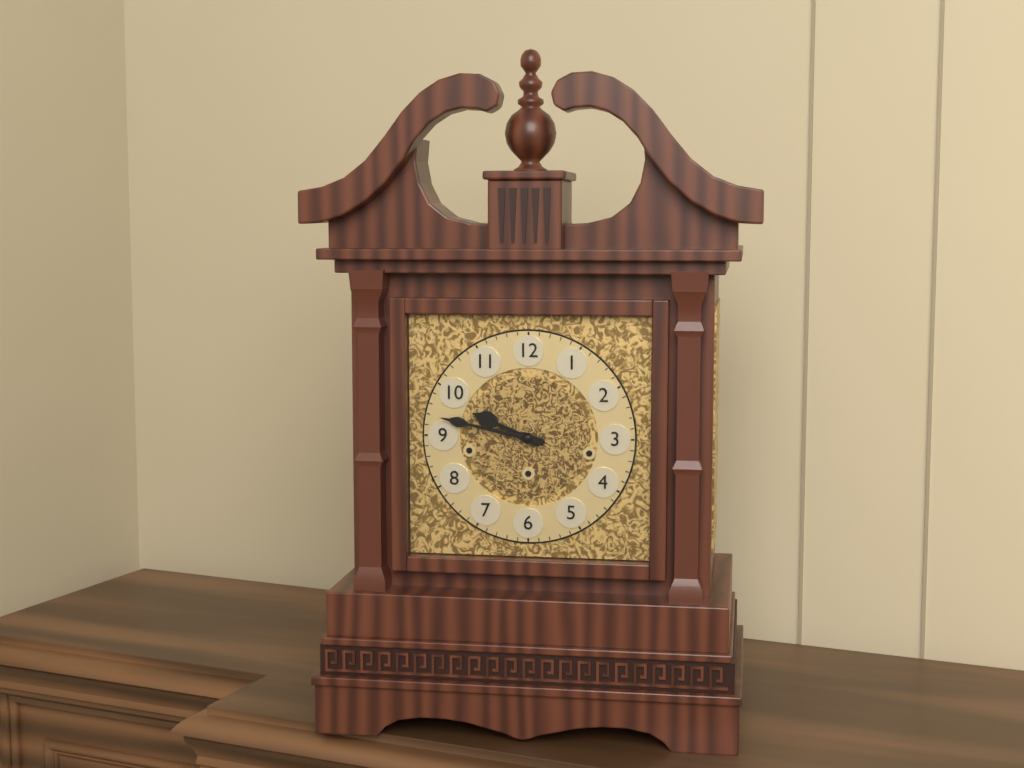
9:47
